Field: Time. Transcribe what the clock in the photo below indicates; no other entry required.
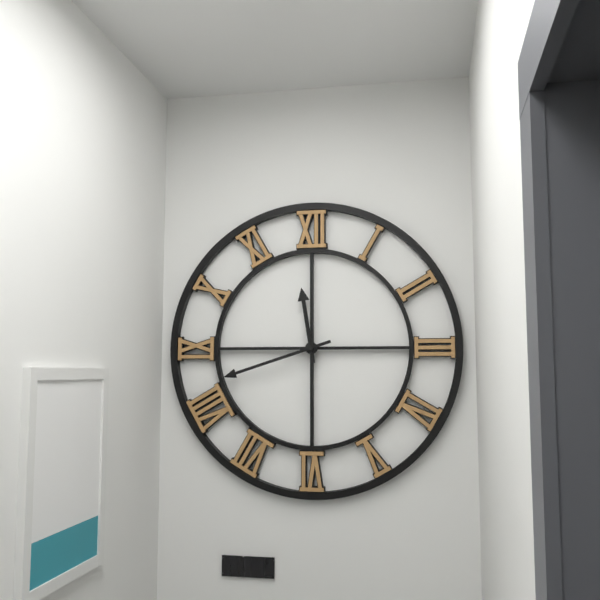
11:42
